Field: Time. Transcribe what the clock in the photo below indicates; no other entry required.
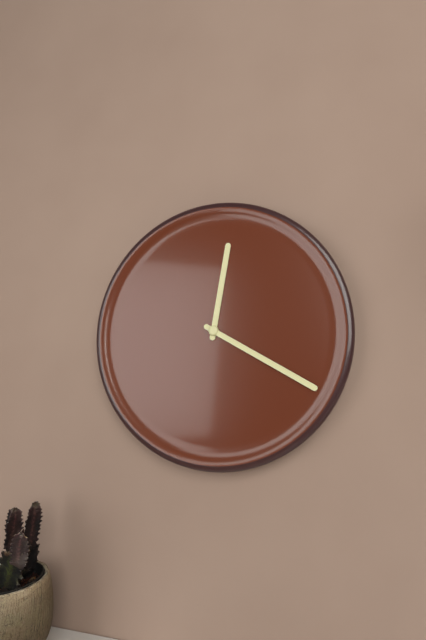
12:20
